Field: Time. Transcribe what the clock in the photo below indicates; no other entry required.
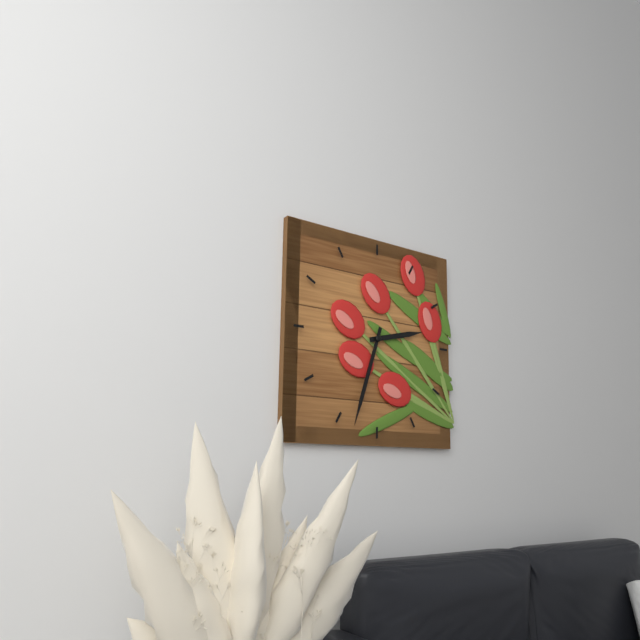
2:33
